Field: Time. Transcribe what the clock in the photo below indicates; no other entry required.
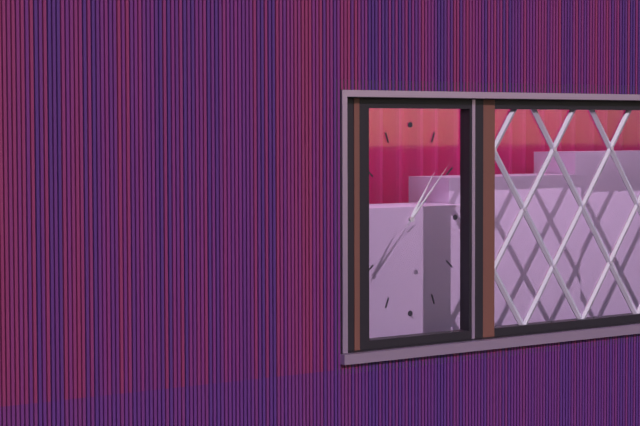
1:07
